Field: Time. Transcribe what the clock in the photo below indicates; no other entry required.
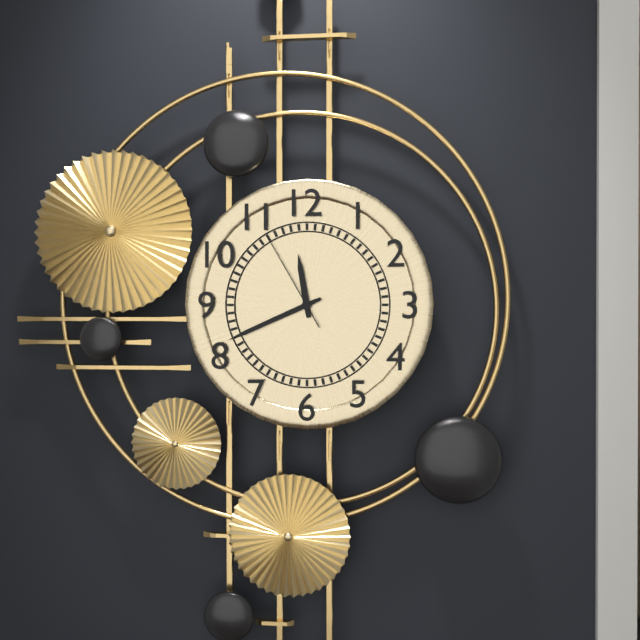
11:41:55
